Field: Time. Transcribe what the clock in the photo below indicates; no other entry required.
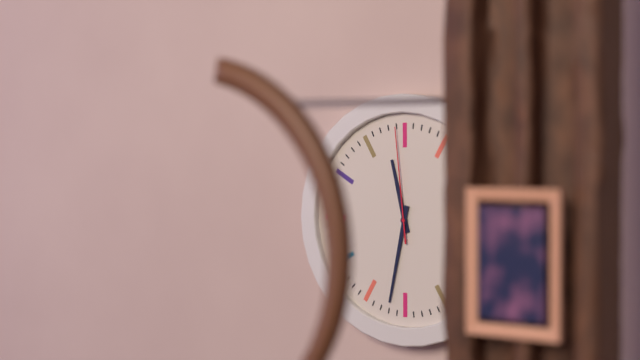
11:32:59
